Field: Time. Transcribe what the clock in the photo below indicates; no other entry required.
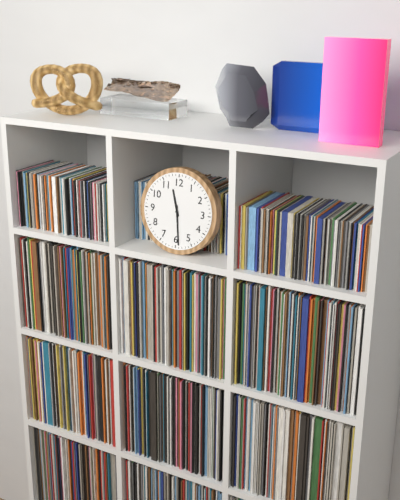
11:29
